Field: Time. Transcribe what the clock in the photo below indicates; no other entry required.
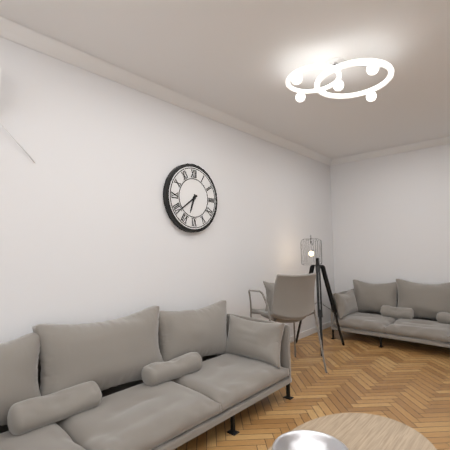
6:39
